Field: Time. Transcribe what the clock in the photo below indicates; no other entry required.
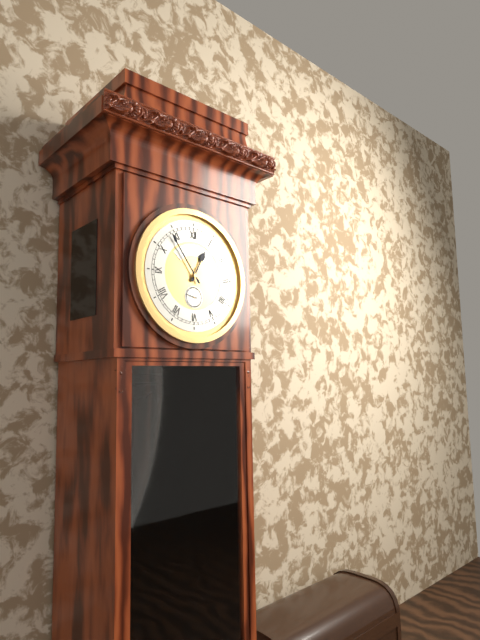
12:54
